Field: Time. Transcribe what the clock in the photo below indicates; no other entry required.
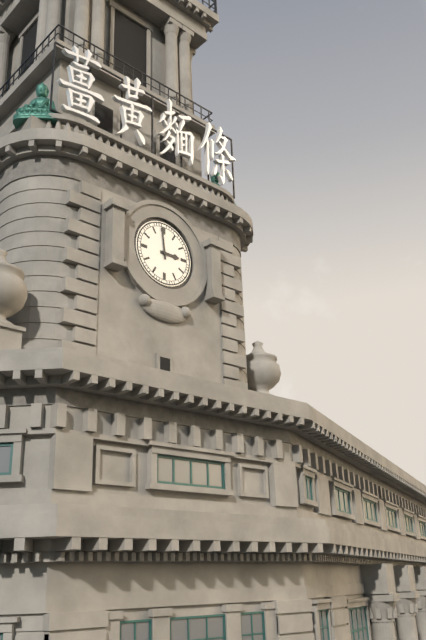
2:59
